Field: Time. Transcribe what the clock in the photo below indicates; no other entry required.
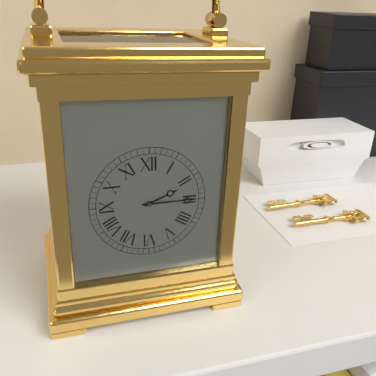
2:15
